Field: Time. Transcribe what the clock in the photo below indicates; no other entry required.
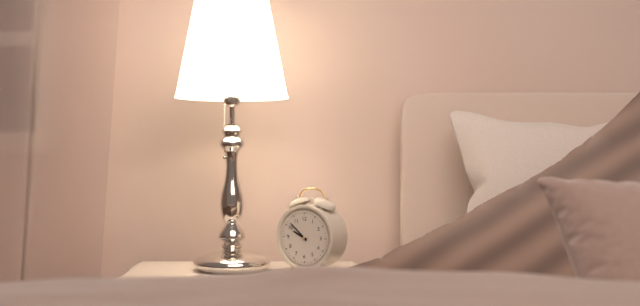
9:52
